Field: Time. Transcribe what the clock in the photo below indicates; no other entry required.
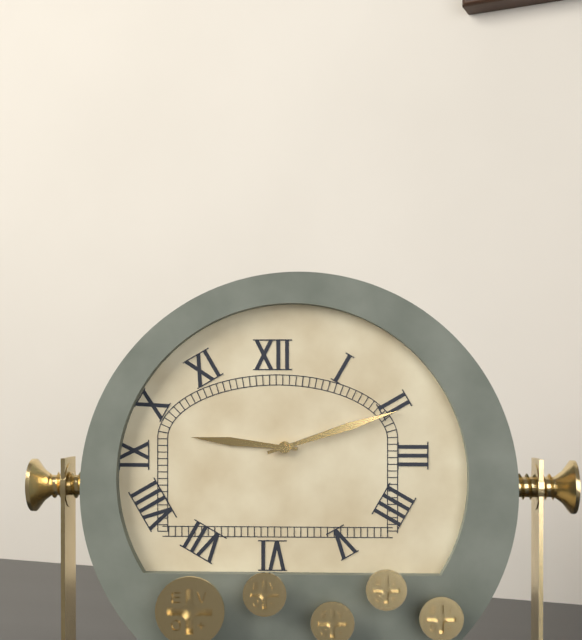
9:12
